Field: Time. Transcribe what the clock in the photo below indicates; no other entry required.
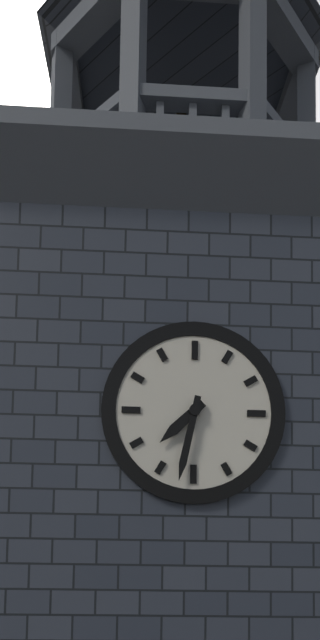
7:32
